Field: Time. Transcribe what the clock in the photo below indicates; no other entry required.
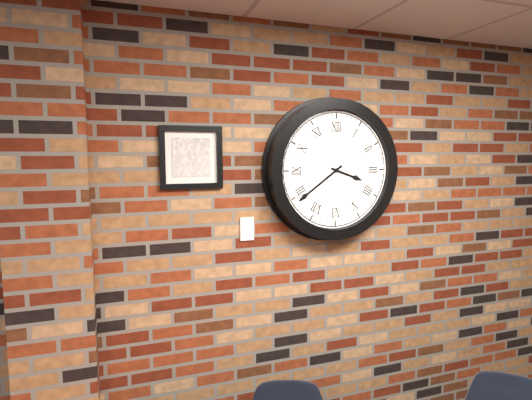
3:39
